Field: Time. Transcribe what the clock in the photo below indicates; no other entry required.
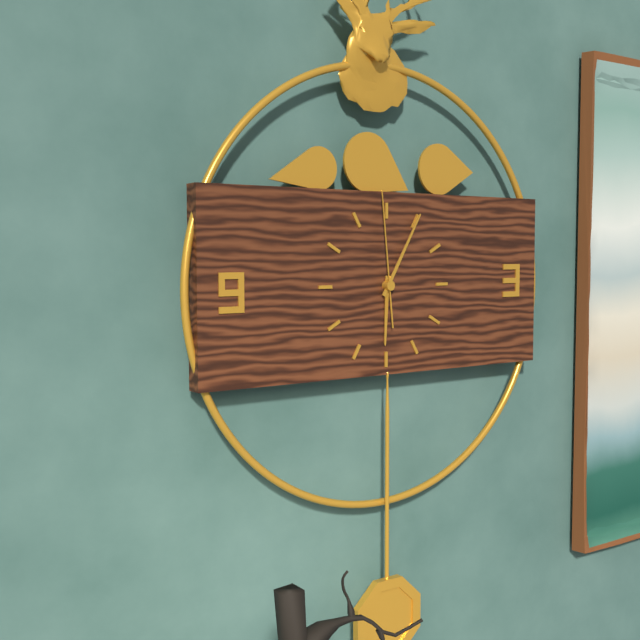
6:05:59
